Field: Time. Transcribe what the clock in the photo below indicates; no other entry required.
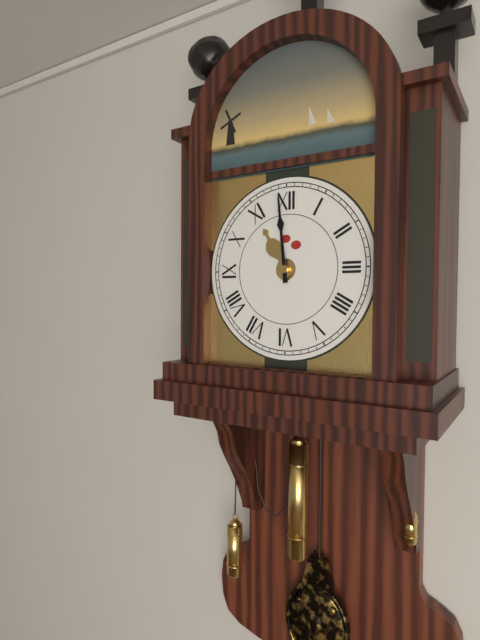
10:59
